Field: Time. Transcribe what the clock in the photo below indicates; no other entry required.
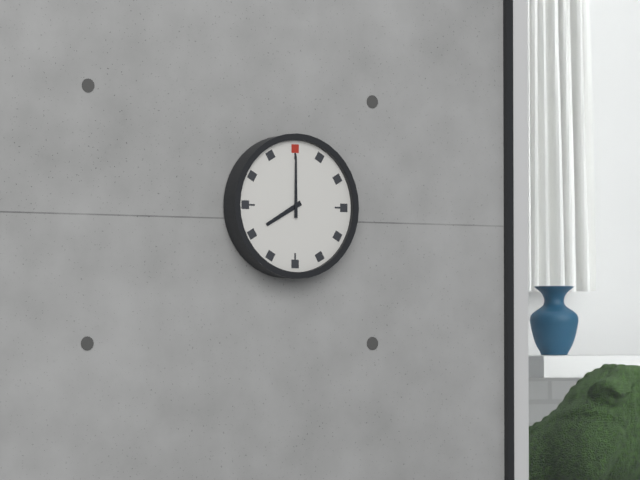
8:00
